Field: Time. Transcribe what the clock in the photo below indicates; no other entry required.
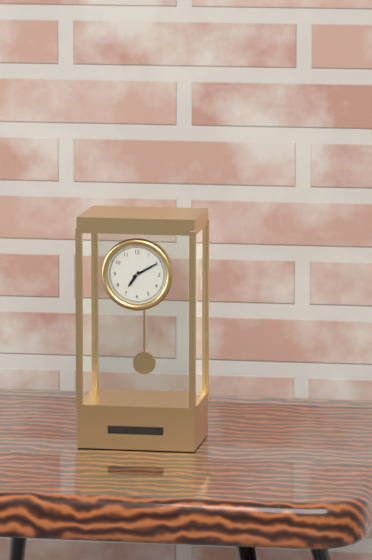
7:10
